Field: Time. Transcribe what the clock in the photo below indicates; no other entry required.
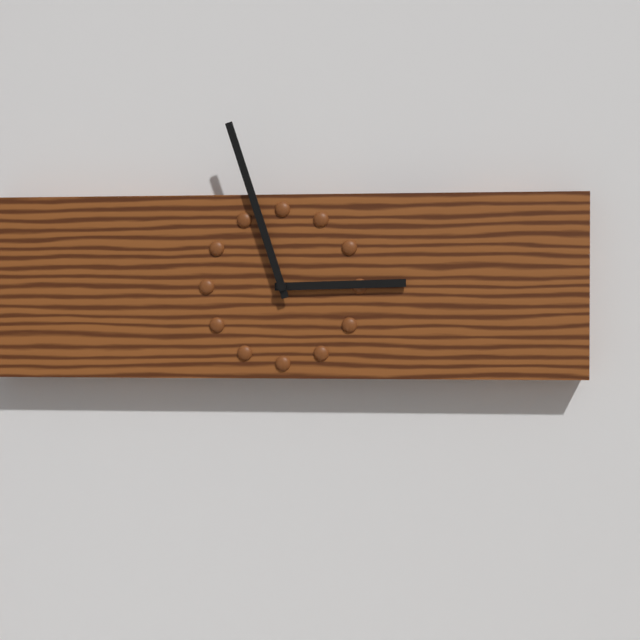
2:57
